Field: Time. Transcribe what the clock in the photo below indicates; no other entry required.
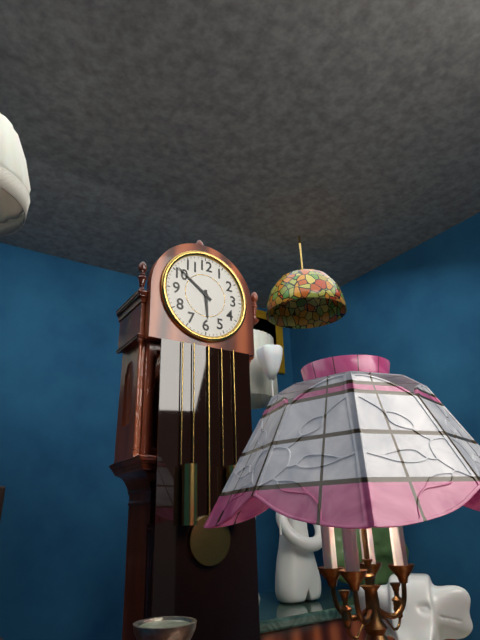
5:51
